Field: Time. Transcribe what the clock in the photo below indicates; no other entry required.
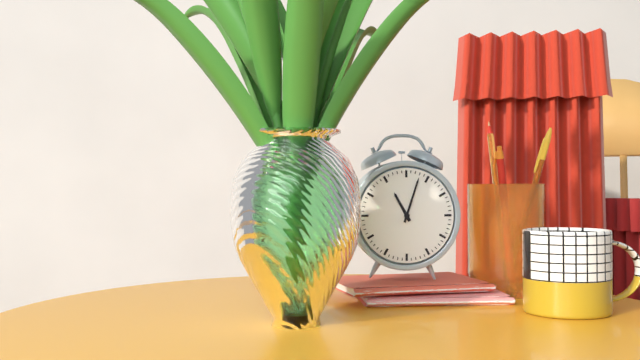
11:03
